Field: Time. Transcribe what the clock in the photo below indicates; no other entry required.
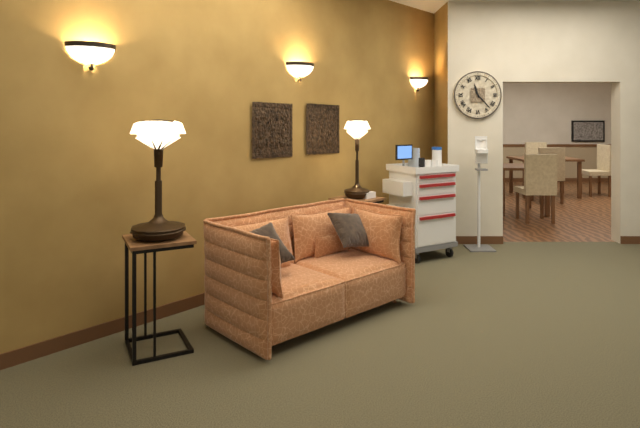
11:23
